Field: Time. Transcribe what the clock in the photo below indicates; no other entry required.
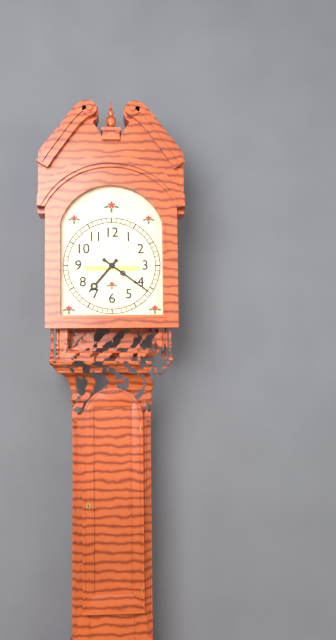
7:21
